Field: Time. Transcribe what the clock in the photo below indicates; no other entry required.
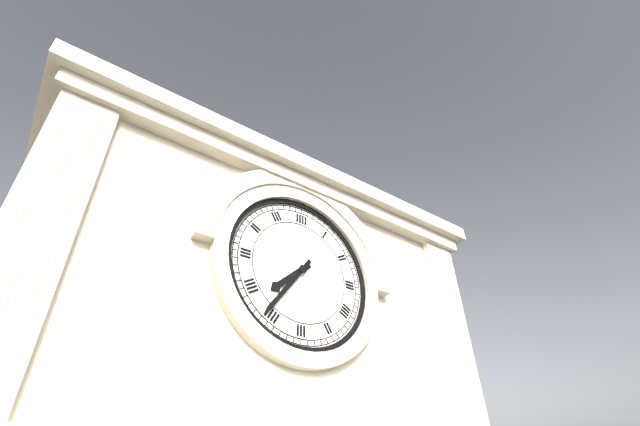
7:36
